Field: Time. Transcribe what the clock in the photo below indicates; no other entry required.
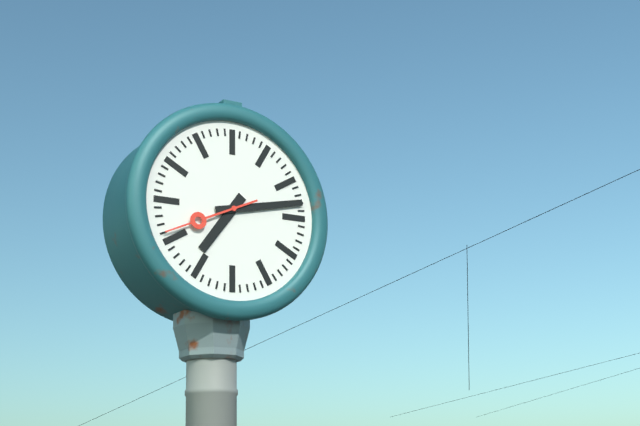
7:13:41
